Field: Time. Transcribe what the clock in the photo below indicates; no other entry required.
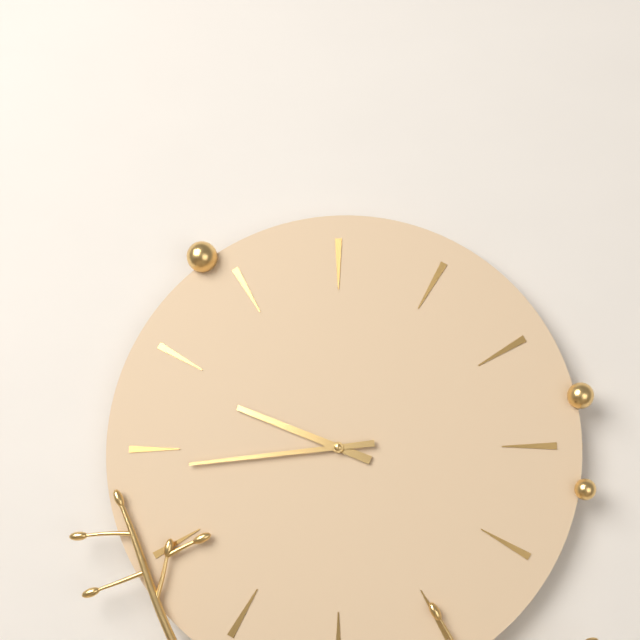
9:44
